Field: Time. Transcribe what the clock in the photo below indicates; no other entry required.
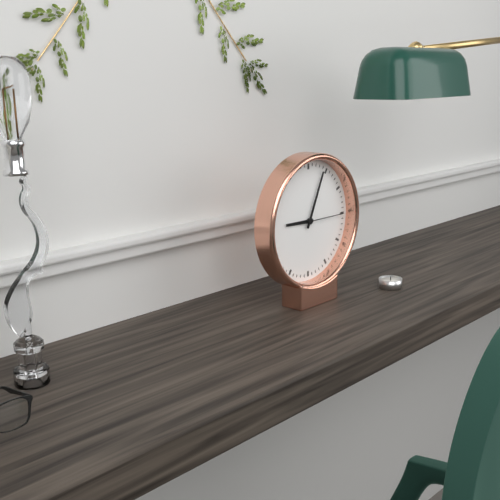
9:04
